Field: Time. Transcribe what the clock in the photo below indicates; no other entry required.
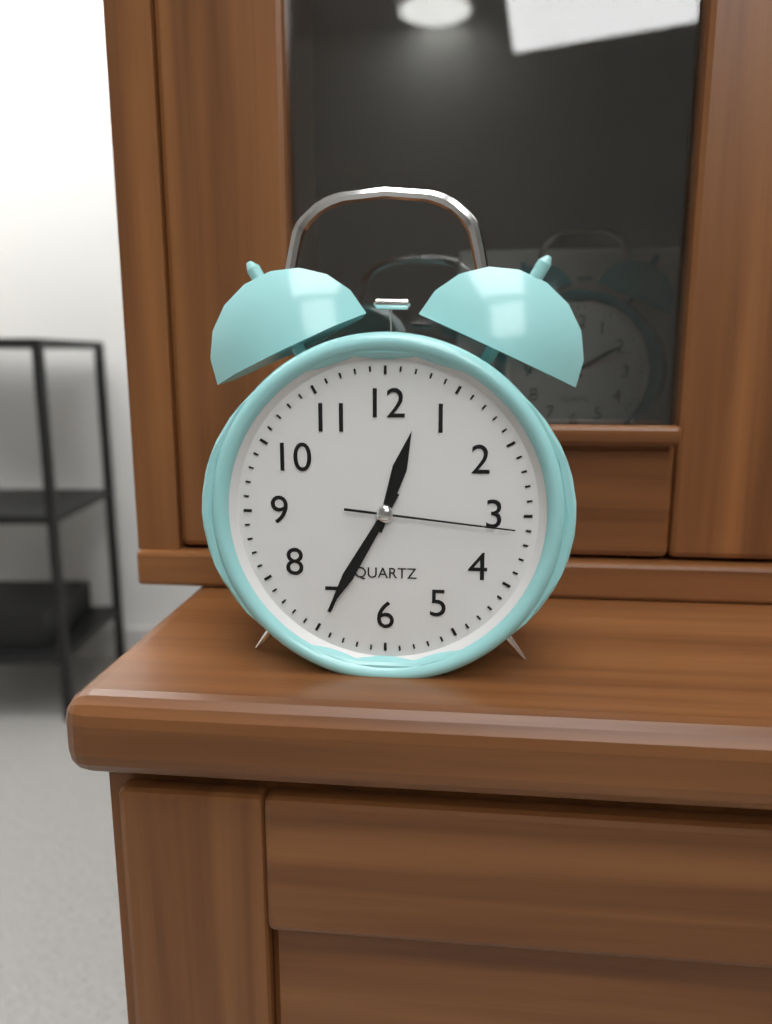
12:35:16
